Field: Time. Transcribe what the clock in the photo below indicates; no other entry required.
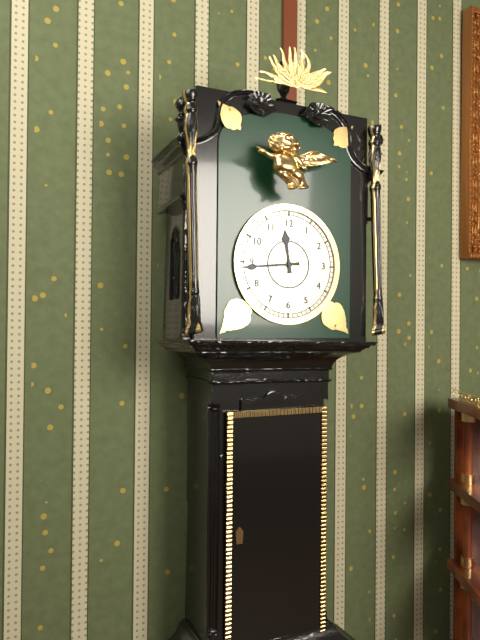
11:44
